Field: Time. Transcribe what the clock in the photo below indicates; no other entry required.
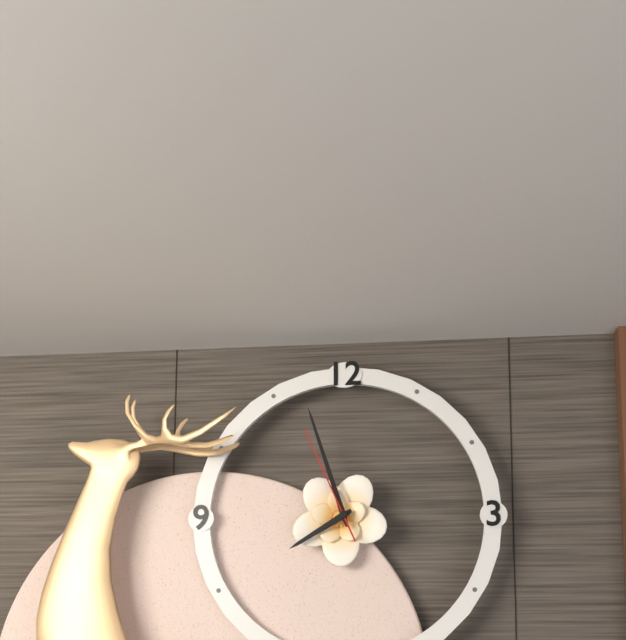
7:57:56
